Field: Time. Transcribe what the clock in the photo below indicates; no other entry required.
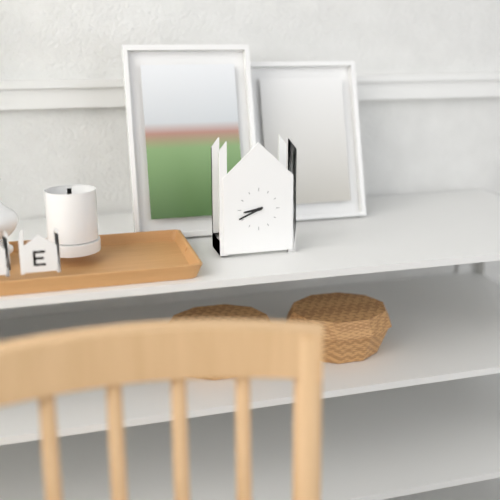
8:41
